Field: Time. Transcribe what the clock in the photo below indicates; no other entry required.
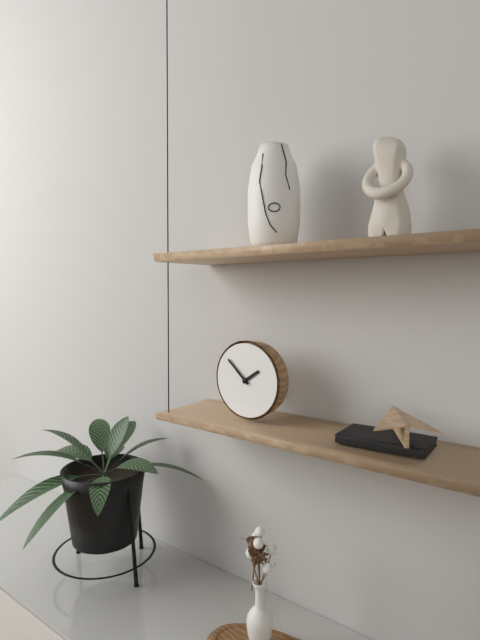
1:52
